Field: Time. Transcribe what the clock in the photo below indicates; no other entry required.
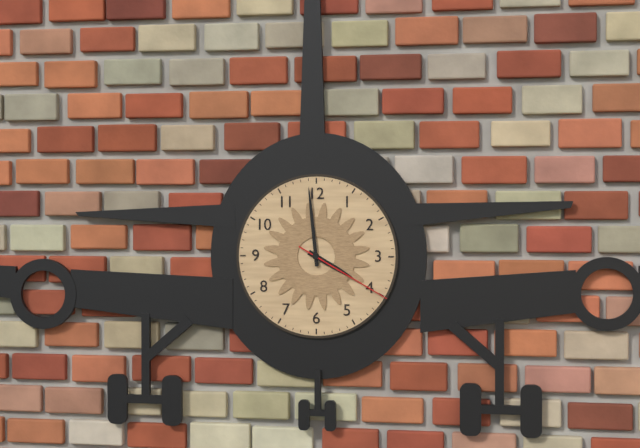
3:59:20
